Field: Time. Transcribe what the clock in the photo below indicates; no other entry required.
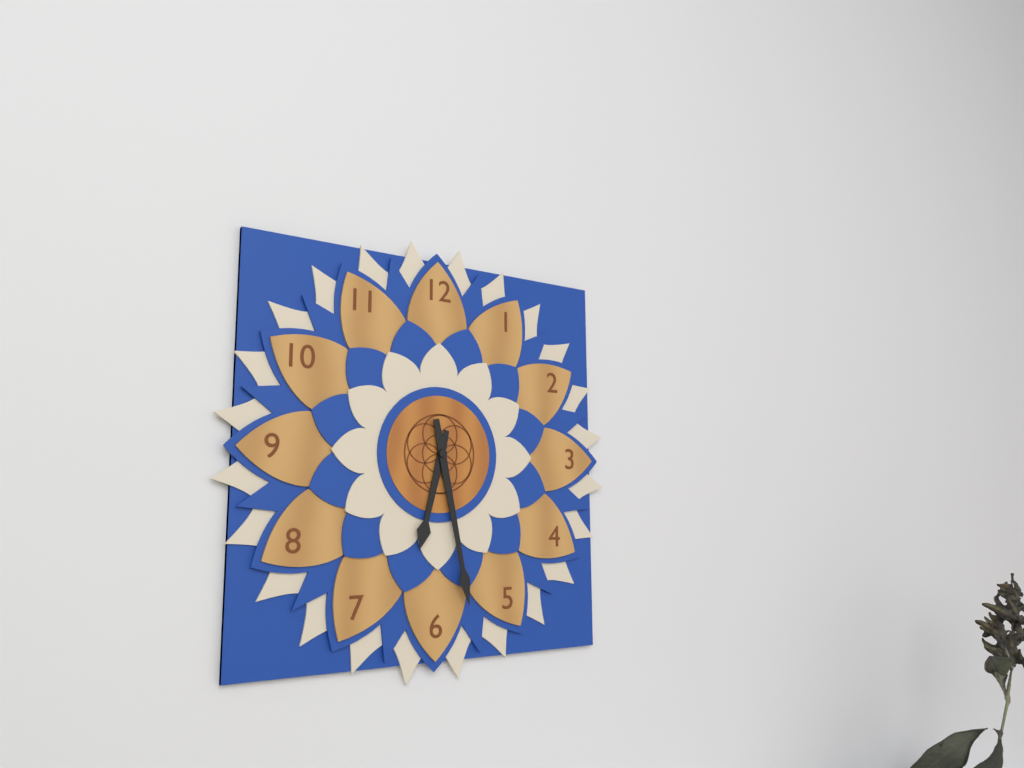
6:28
